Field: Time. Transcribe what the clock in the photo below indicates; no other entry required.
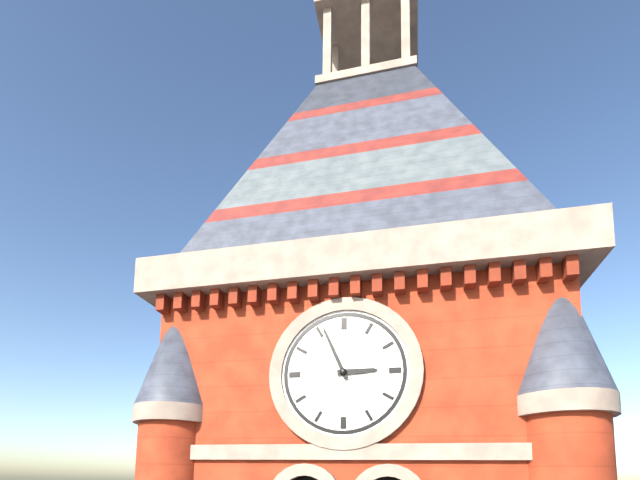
2:56
